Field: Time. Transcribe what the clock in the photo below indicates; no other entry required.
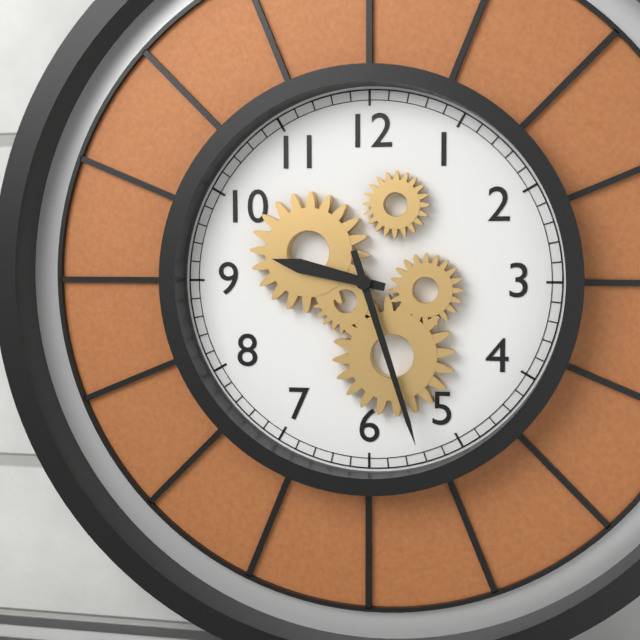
9:27
